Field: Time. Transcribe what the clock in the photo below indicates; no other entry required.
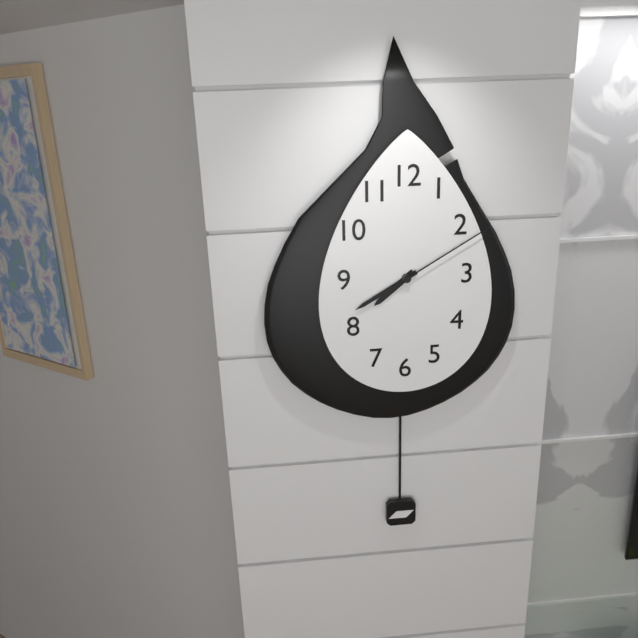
7:40:10
